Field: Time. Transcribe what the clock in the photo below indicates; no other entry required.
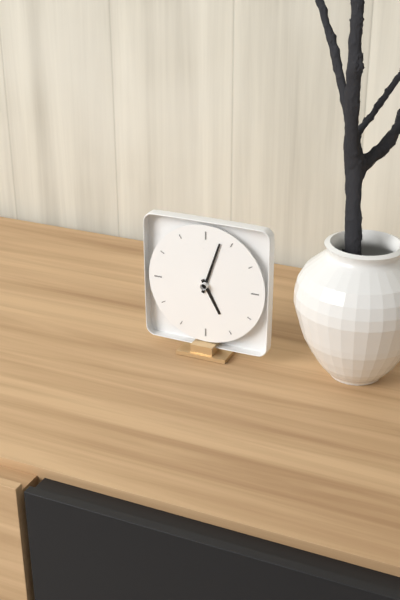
5:03
